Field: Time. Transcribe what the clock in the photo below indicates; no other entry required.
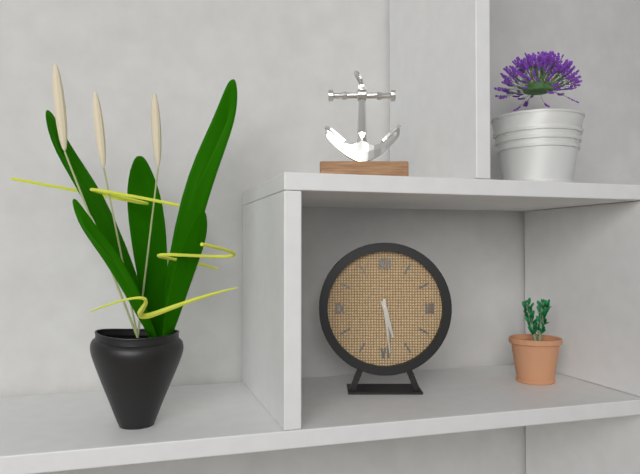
5:29
